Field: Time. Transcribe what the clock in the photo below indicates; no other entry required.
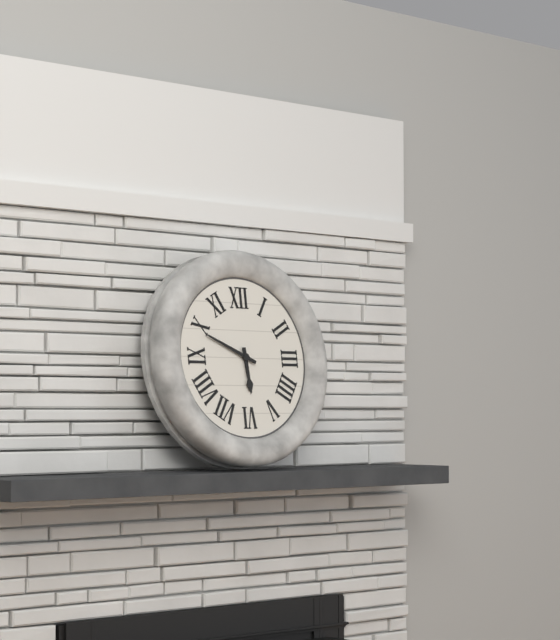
5:49
